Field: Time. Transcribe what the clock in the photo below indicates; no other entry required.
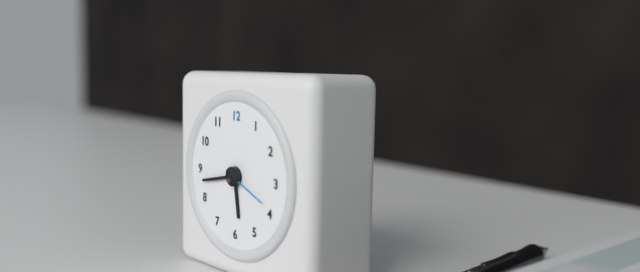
5:43
